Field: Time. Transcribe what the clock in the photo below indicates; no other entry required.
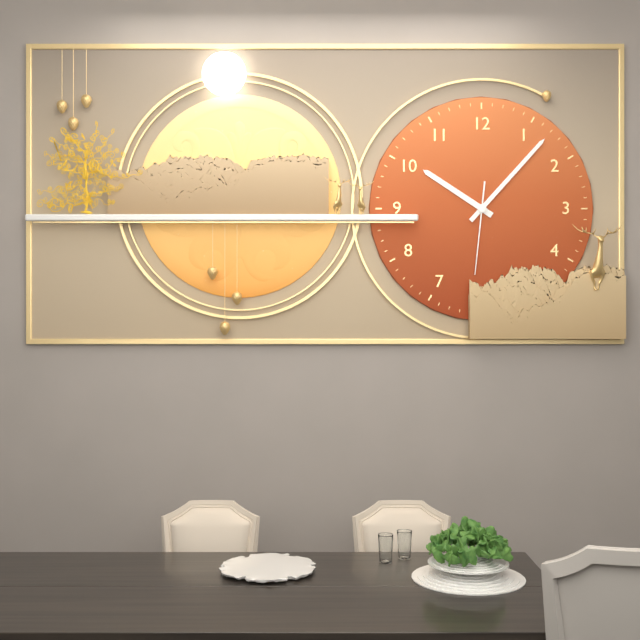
10:07:31
